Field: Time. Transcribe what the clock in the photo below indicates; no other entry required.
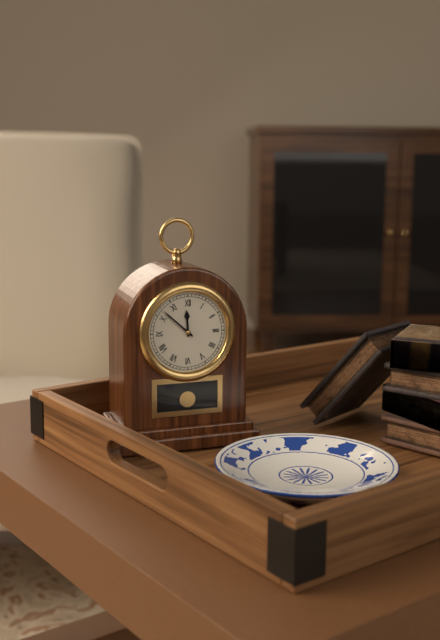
11:52
